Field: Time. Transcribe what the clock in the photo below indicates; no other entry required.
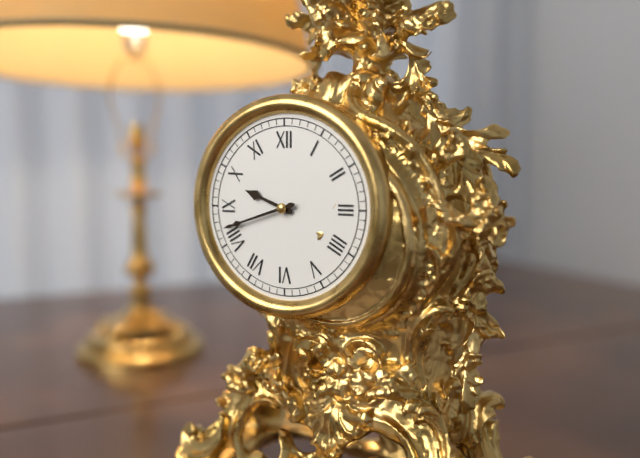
9:42
